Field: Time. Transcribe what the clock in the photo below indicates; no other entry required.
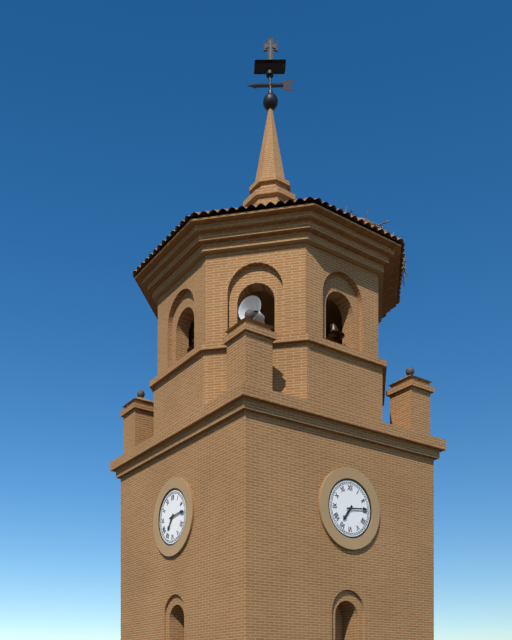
7:14
